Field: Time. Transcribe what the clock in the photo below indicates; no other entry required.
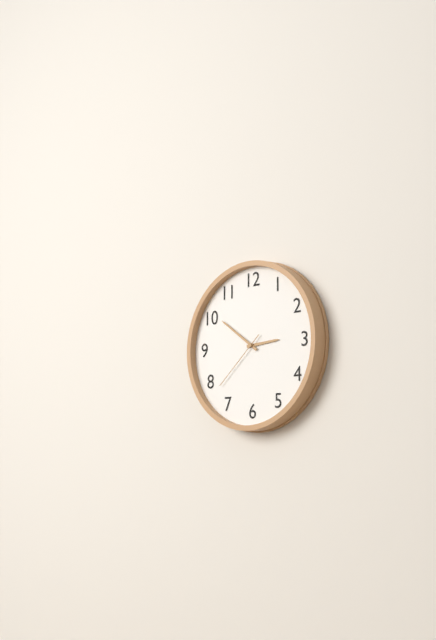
2:51:38
